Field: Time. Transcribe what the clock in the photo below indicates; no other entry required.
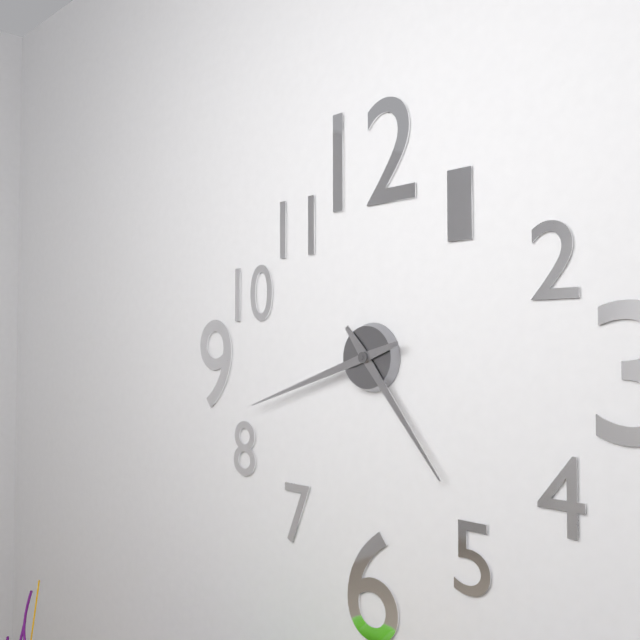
4:42
